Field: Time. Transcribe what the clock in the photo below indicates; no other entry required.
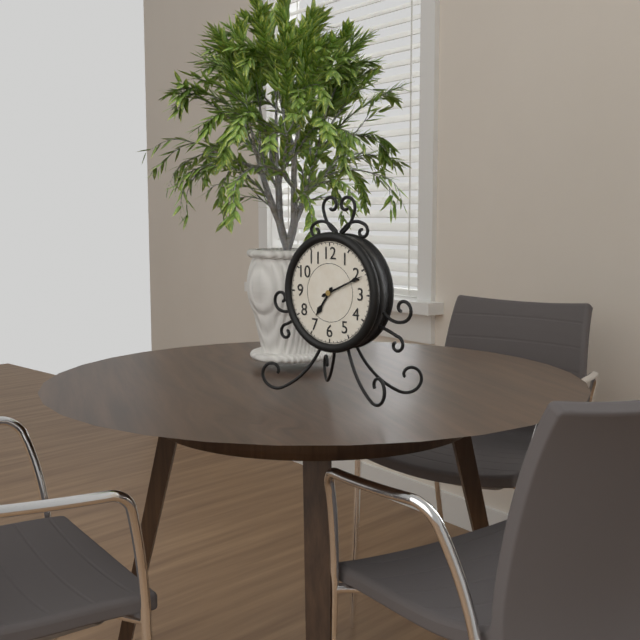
7:11
